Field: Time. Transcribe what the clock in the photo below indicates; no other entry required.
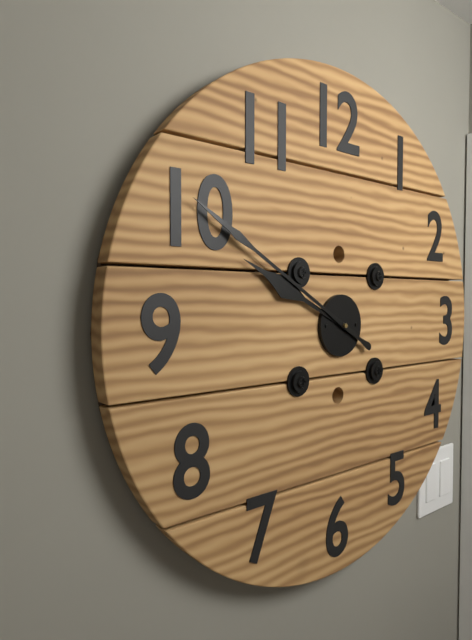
9:50
